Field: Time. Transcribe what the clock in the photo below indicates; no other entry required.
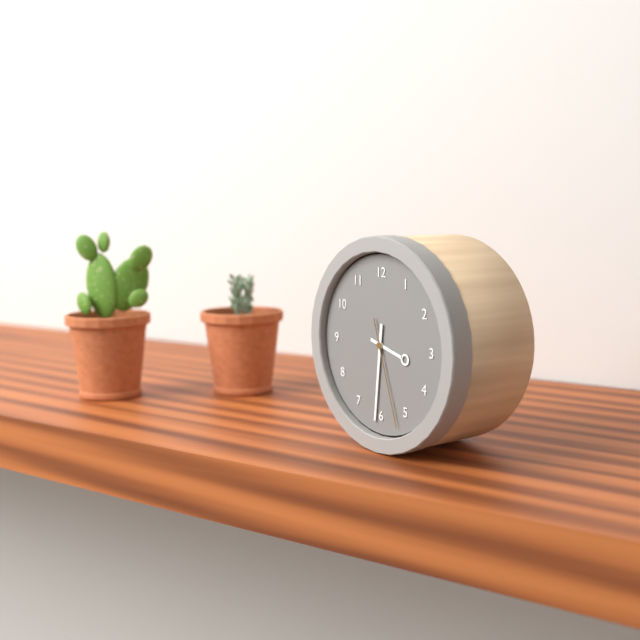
3:31:27
